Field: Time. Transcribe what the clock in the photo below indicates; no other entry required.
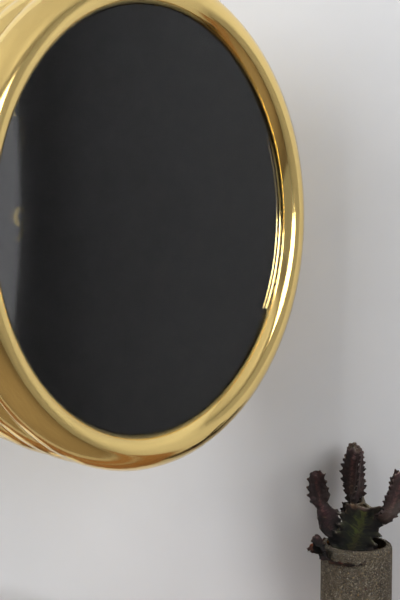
7:59:38
